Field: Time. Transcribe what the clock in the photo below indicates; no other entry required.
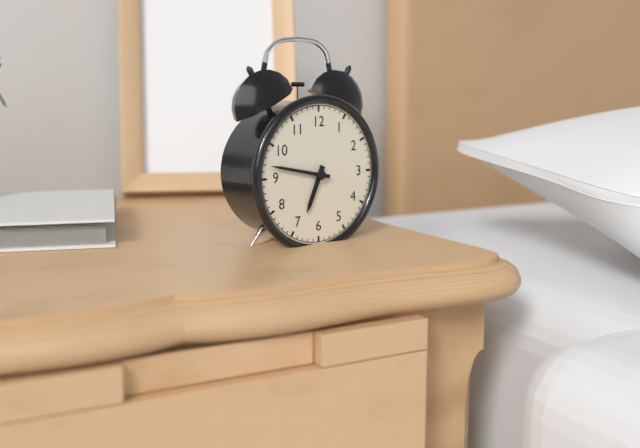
6:47
